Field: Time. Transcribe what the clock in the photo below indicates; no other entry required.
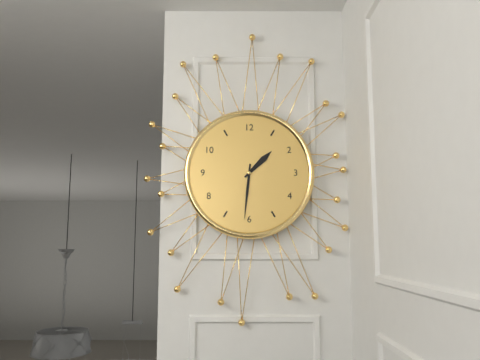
1:31
